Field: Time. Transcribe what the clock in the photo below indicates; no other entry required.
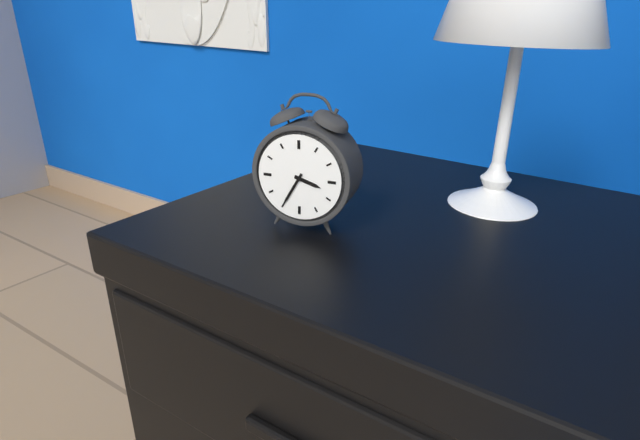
3:35
